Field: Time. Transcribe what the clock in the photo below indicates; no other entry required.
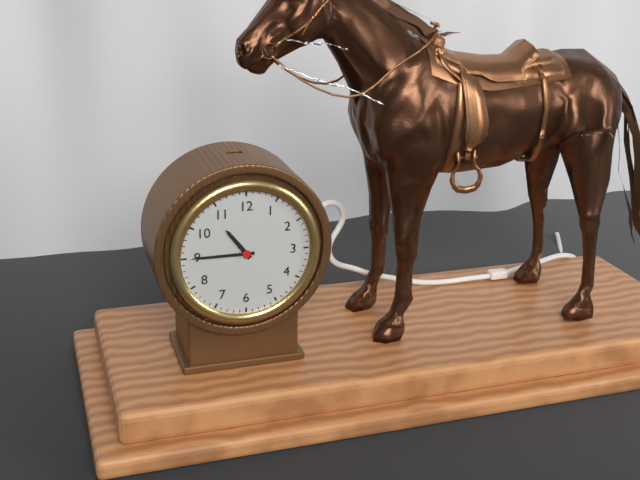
10:45
